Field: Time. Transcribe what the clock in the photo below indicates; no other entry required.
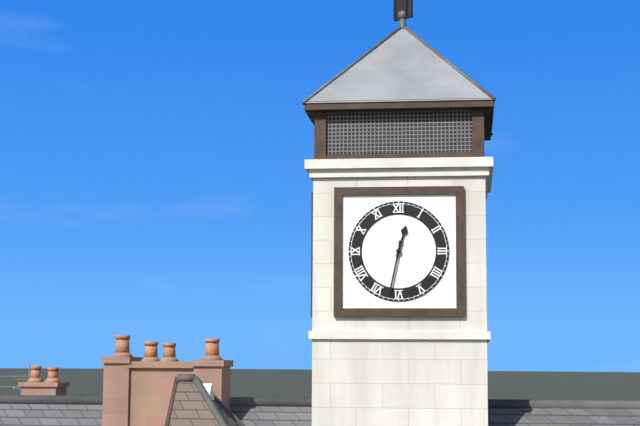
12:32
